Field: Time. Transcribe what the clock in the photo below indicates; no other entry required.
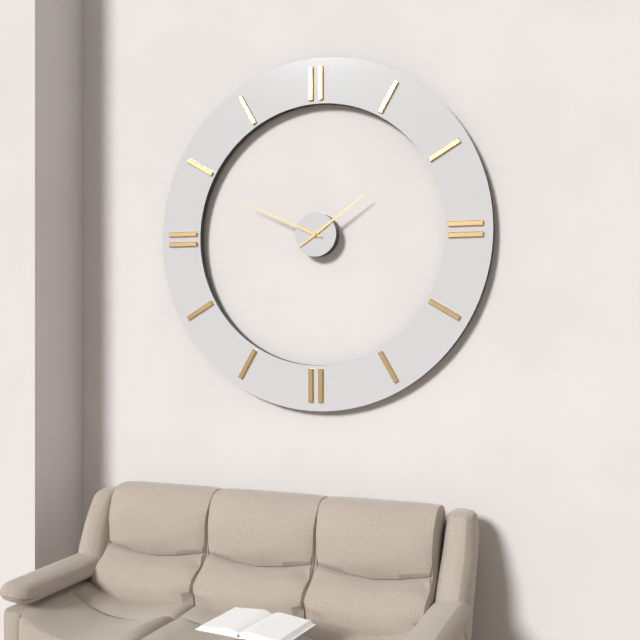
1:49
